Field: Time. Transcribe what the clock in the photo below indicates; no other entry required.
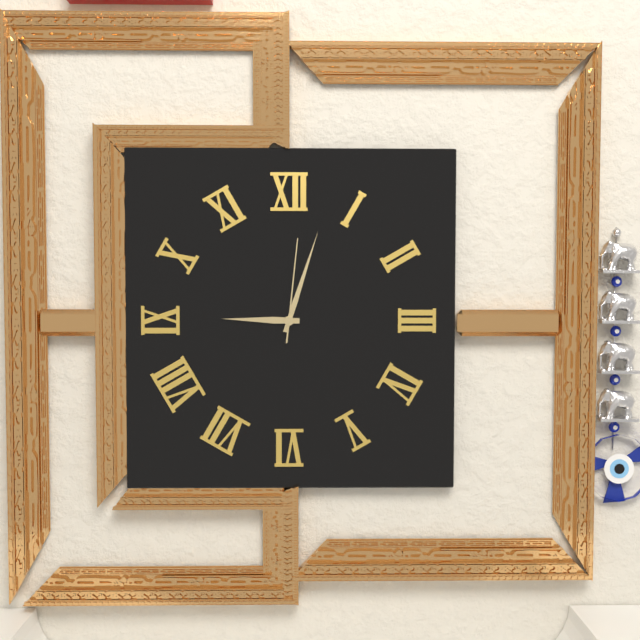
9:03:01
